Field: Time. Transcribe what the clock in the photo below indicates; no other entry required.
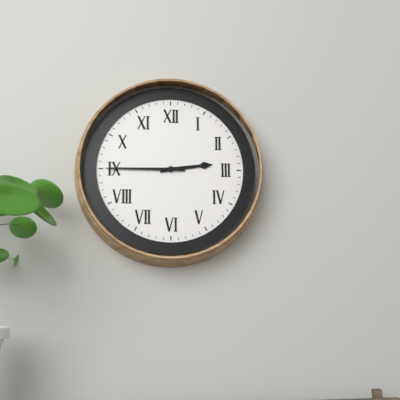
2:45
